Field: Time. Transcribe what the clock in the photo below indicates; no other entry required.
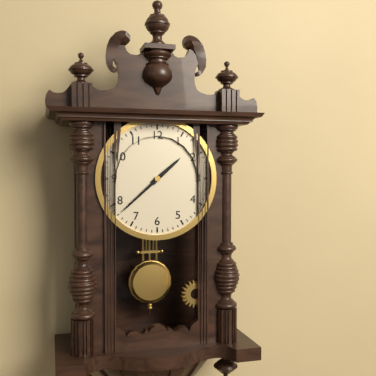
1:38
